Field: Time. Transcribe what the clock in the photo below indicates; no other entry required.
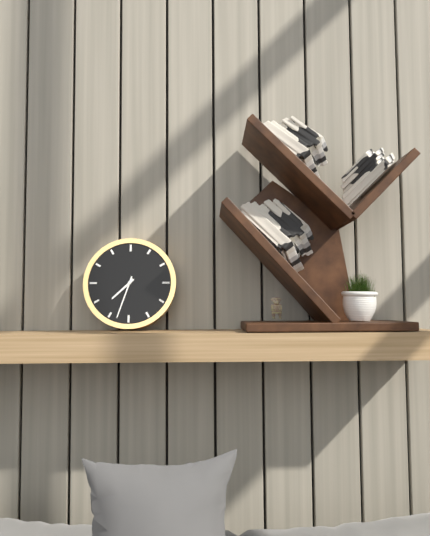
7:33
